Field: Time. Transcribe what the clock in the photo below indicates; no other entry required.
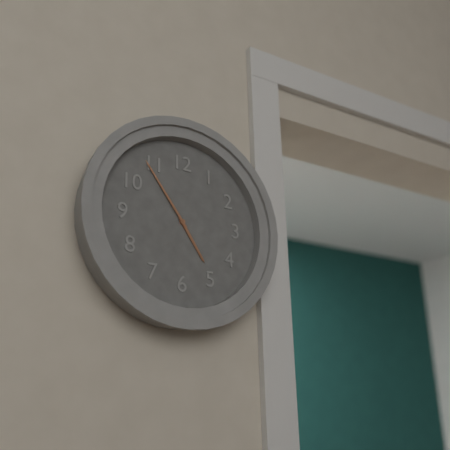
4:54
